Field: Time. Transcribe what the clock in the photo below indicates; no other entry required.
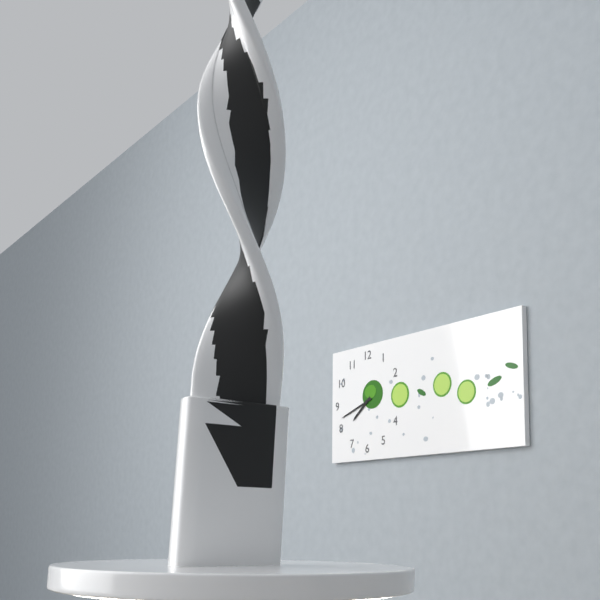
7:42
